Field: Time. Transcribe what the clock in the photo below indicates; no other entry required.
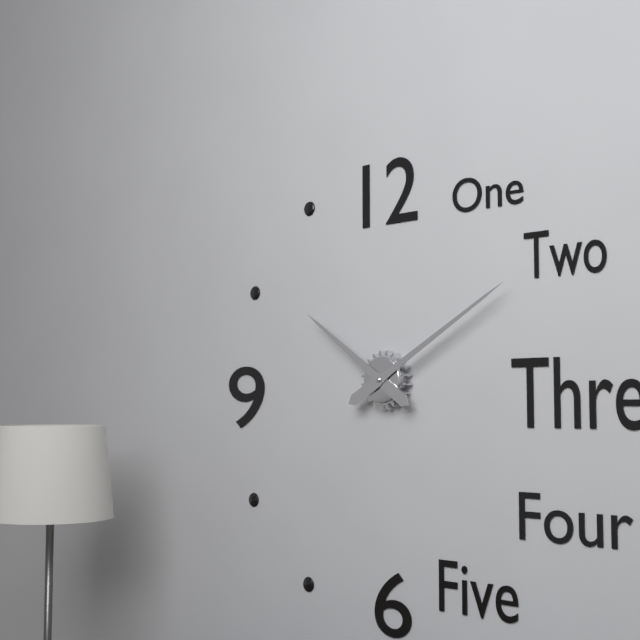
10:10
